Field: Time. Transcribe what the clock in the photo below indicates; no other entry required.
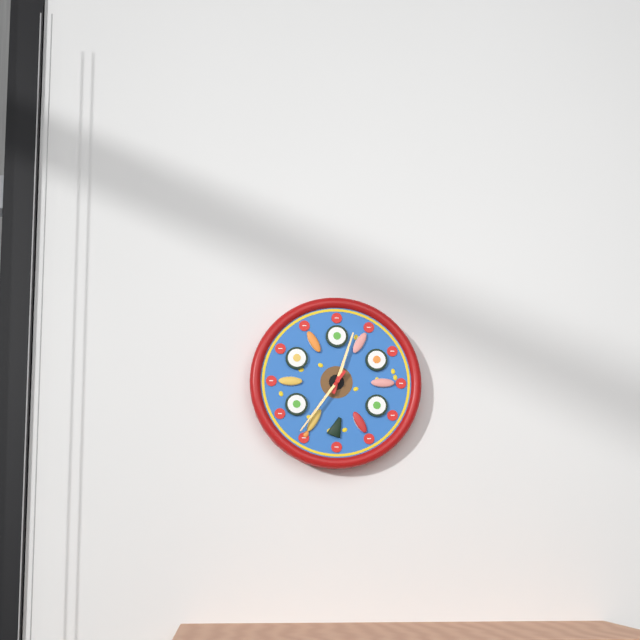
12:36
